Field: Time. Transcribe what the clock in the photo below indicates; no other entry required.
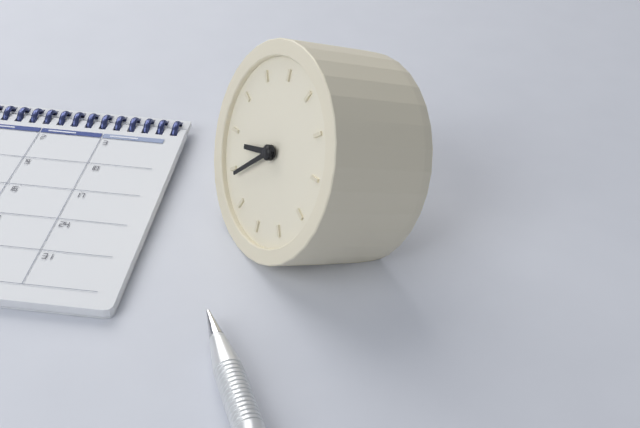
8:39
